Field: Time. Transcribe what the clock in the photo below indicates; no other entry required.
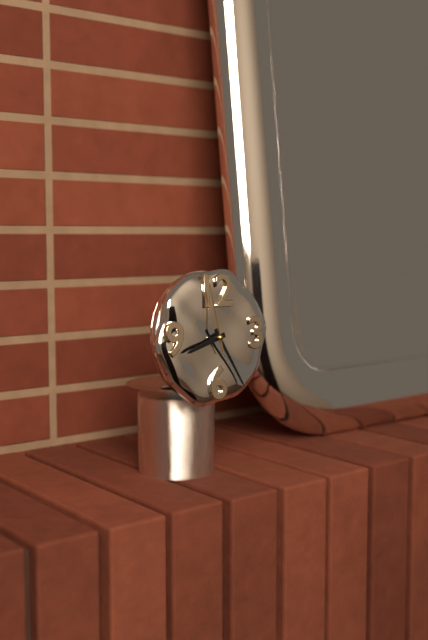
8:25:58
